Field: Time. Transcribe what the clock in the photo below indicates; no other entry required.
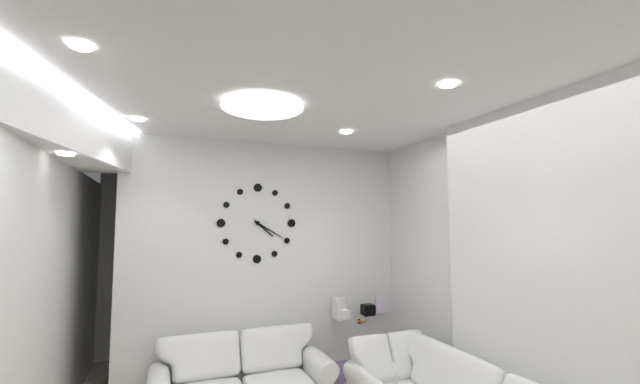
4:20
